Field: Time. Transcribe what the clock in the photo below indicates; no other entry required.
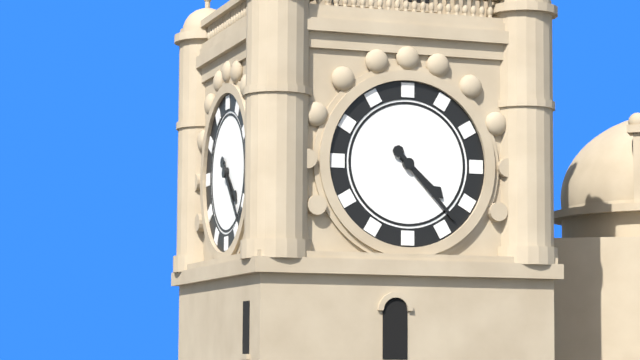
4:23
